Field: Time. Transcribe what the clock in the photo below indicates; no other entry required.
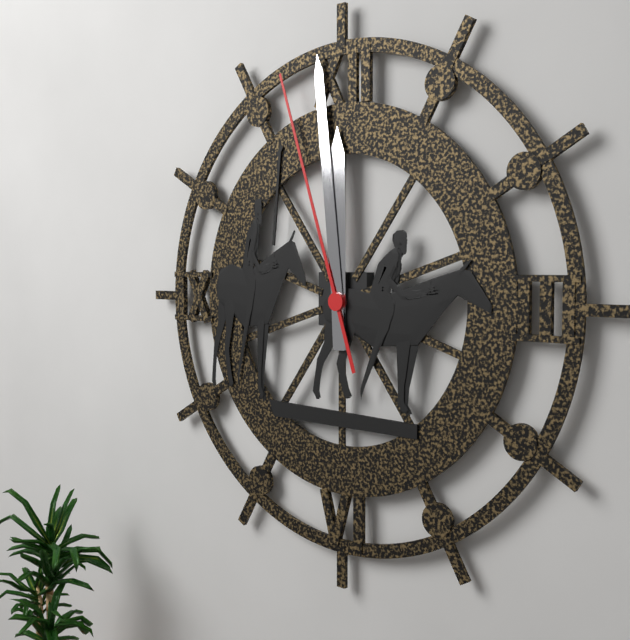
11:59:57
